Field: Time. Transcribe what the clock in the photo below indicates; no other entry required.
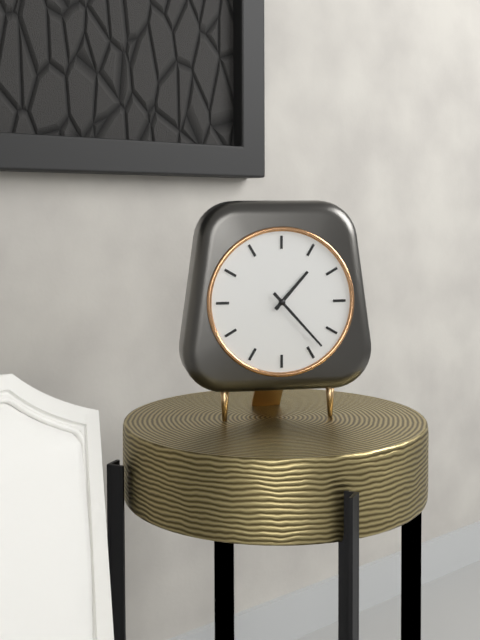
1:23
